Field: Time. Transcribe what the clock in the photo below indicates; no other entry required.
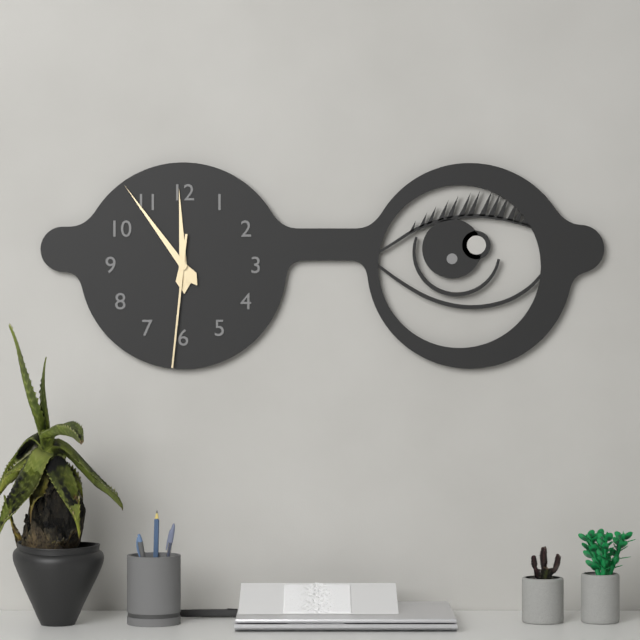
11:54:31
